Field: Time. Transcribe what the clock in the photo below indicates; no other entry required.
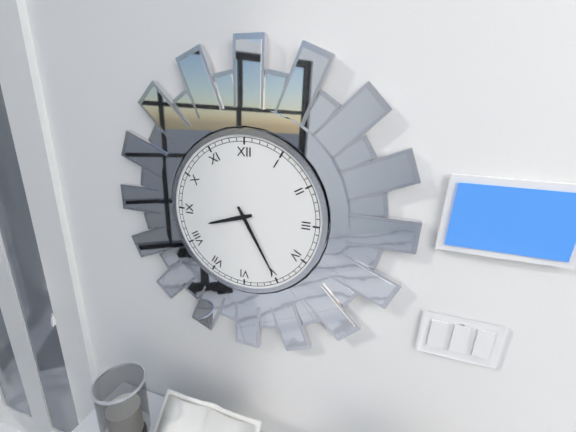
8:25
